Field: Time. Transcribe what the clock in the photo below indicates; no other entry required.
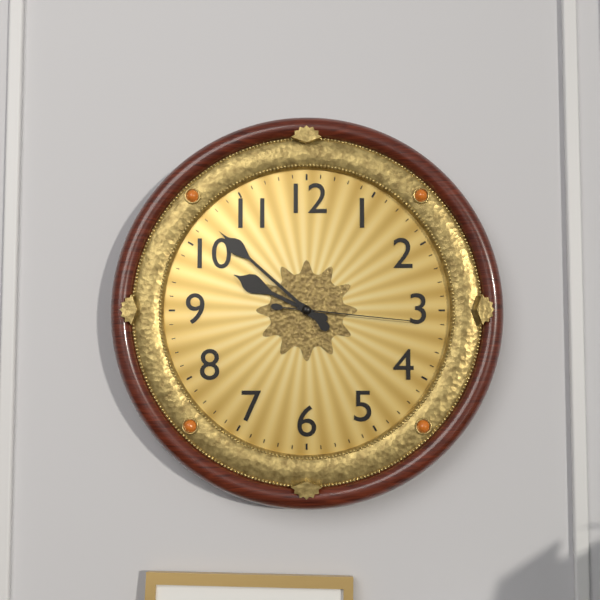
9:52:16
